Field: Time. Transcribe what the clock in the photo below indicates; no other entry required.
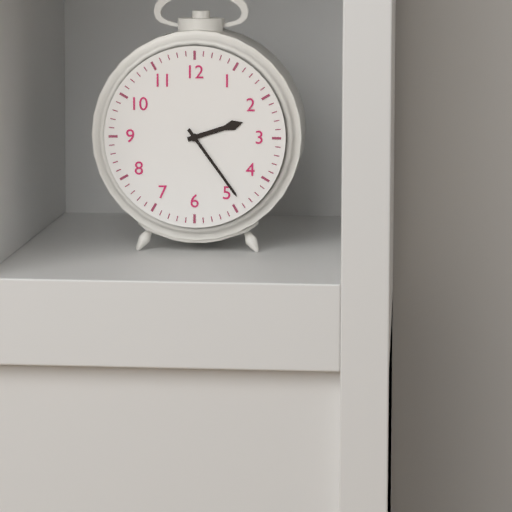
2:24
